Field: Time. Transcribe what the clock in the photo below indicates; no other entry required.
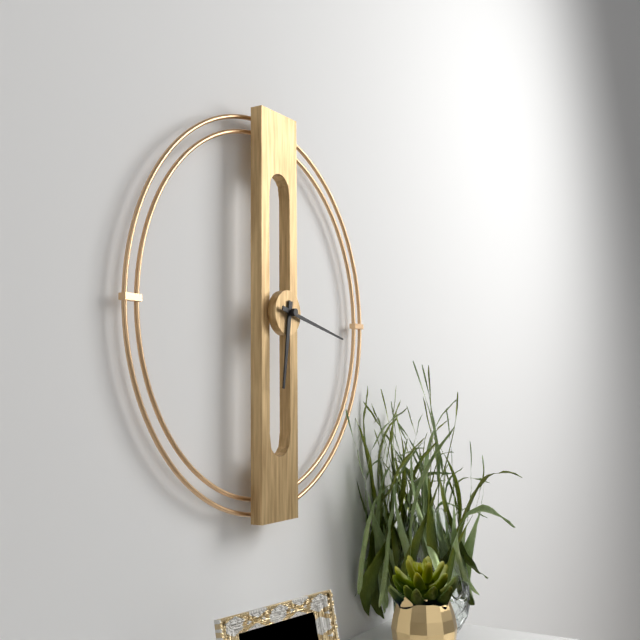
6:17
